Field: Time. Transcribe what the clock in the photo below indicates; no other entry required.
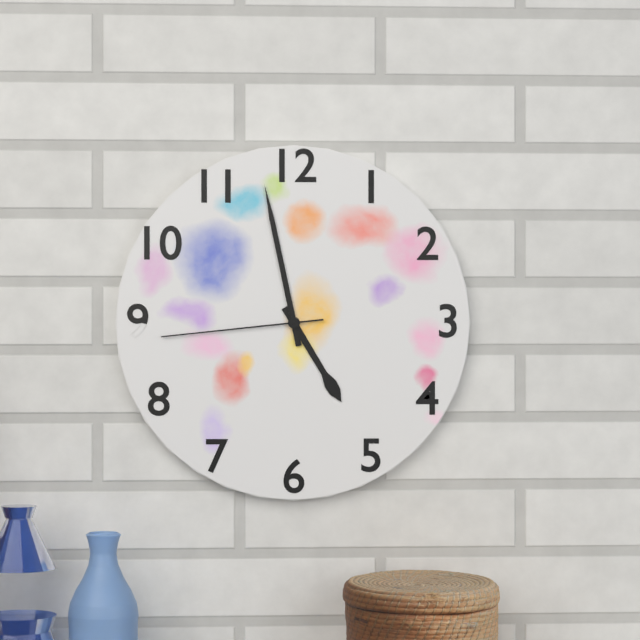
4:58:44
